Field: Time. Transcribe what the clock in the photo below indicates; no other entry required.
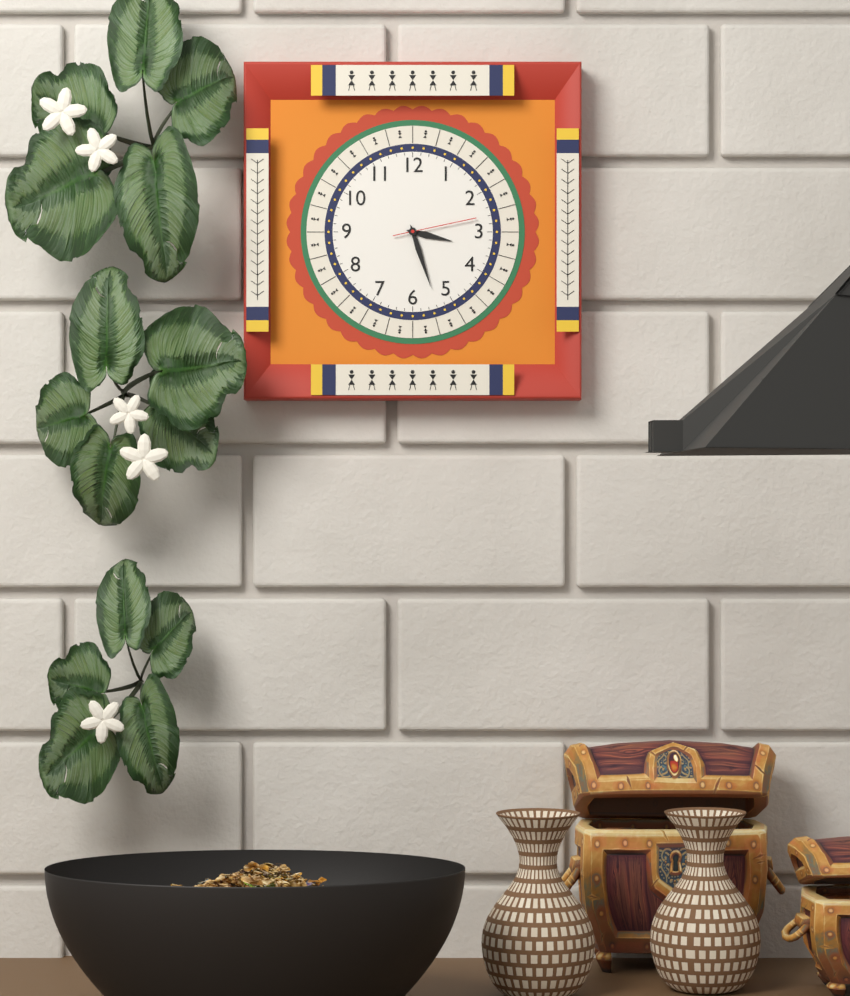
3:27:13
